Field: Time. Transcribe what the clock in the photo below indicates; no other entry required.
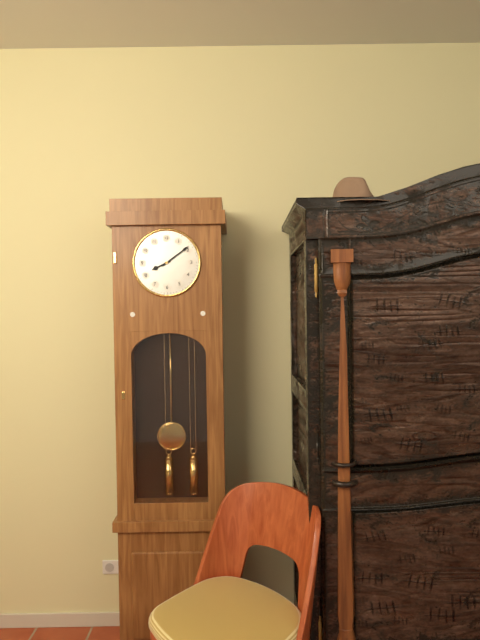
8:09
